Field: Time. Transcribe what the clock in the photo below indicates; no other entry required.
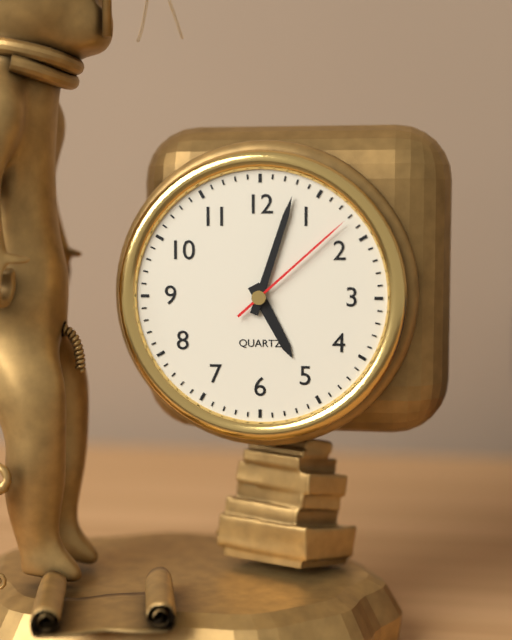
5:03:08
